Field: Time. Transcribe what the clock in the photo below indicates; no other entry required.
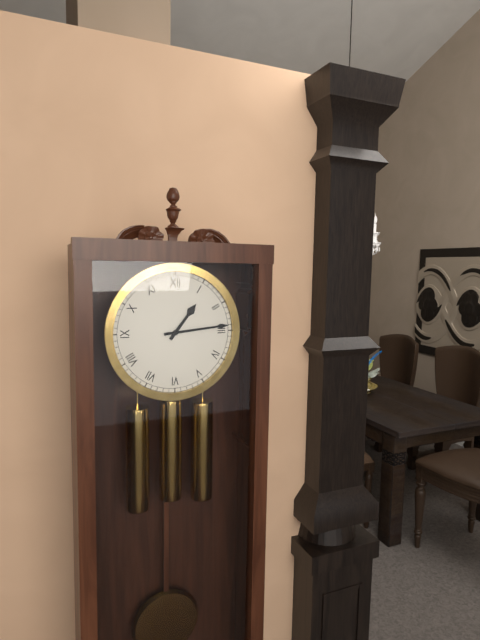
1:14
